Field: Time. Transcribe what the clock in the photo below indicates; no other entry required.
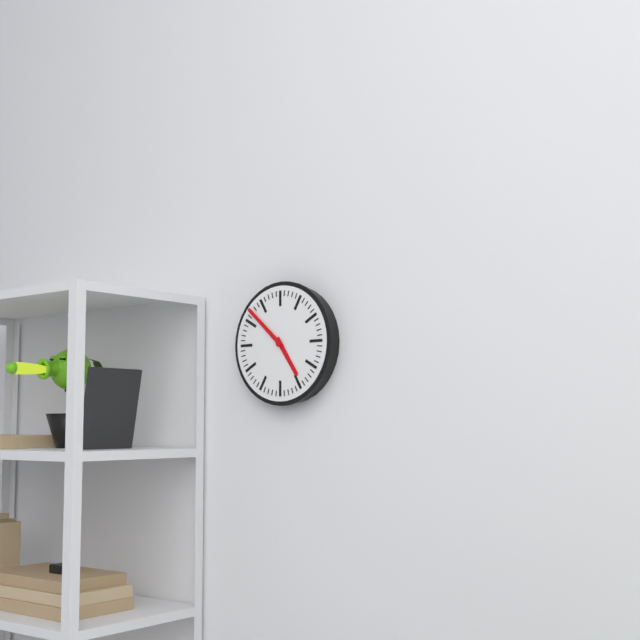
4:52
